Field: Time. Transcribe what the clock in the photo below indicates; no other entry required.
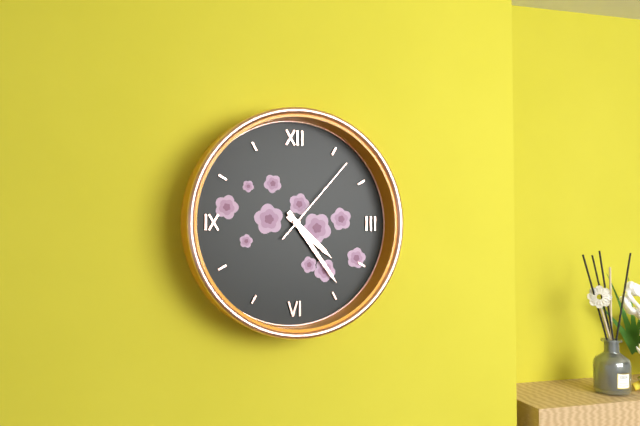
4:24:07
